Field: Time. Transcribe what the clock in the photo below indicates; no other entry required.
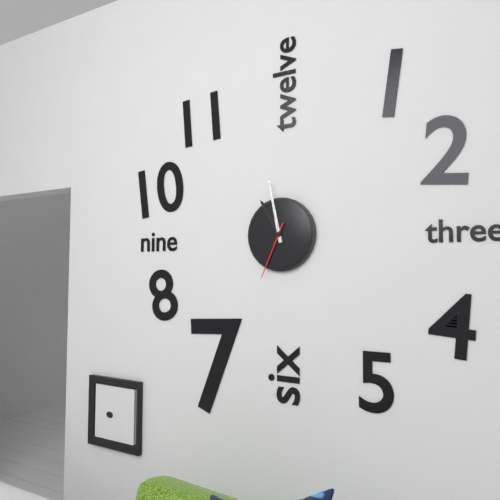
10:58:34
